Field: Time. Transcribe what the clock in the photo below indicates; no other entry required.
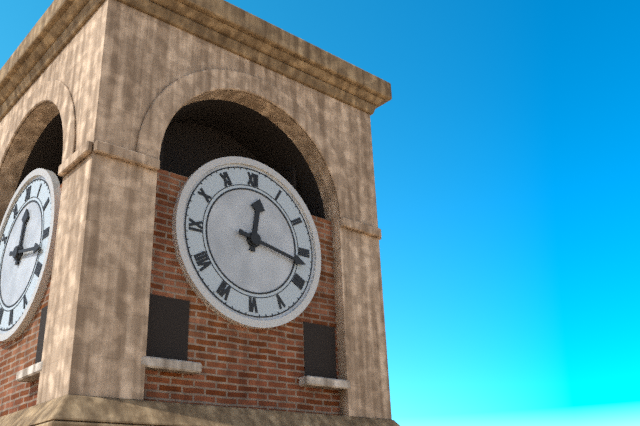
12:17
